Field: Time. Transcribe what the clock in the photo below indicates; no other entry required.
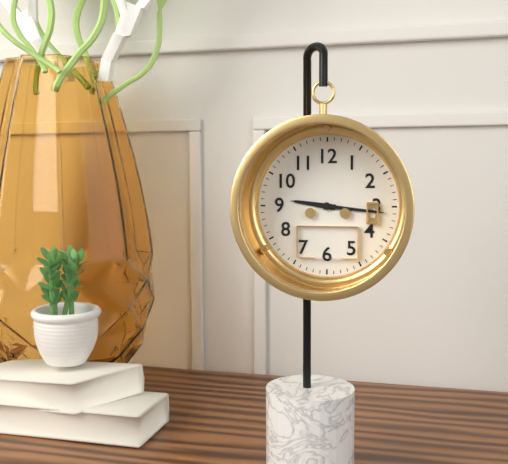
9:16
